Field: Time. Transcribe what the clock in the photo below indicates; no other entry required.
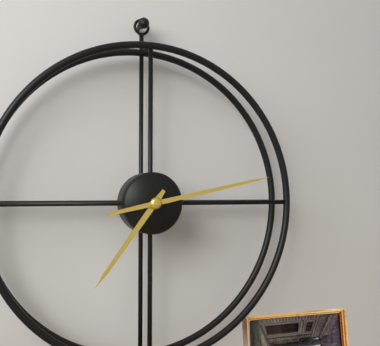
7:13
